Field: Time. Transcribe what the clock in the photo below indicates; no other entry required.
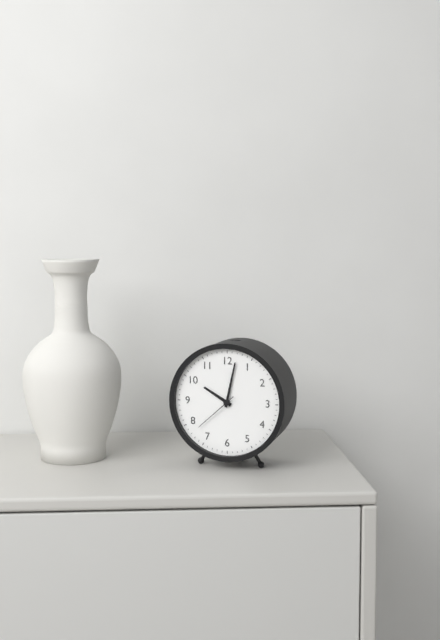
10:02
